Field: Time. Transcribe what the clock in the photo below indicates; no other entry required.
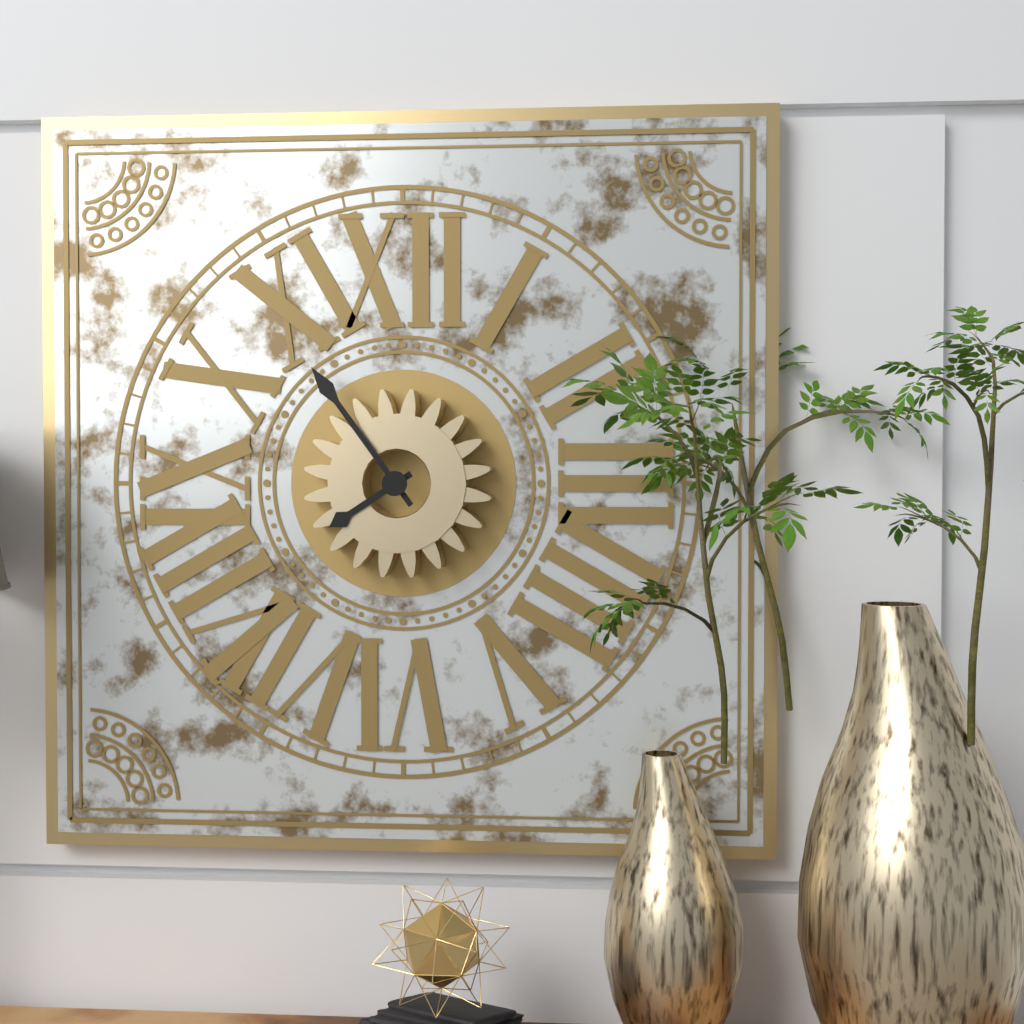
7:54
